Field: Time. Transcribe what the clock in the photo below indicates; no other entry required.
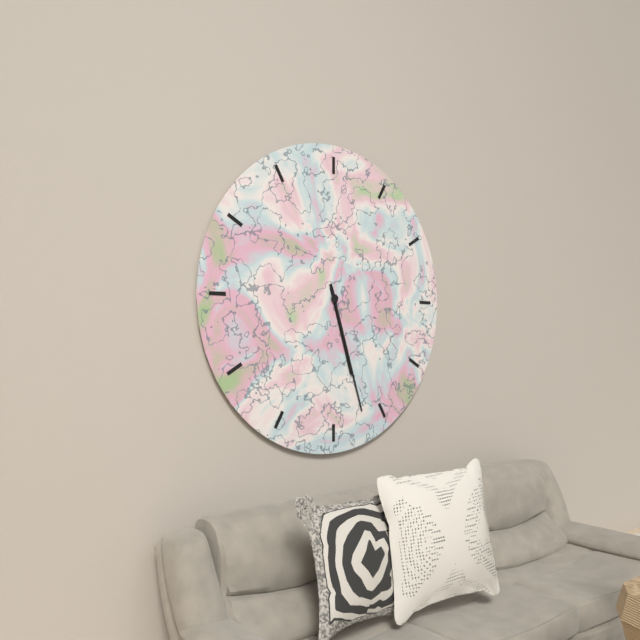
5:27
